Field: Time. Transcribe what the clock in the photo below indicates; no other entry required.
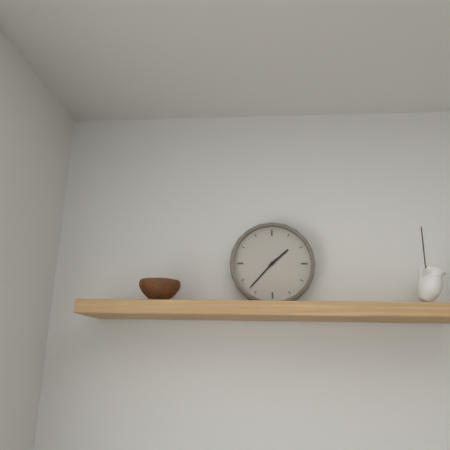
1:37
